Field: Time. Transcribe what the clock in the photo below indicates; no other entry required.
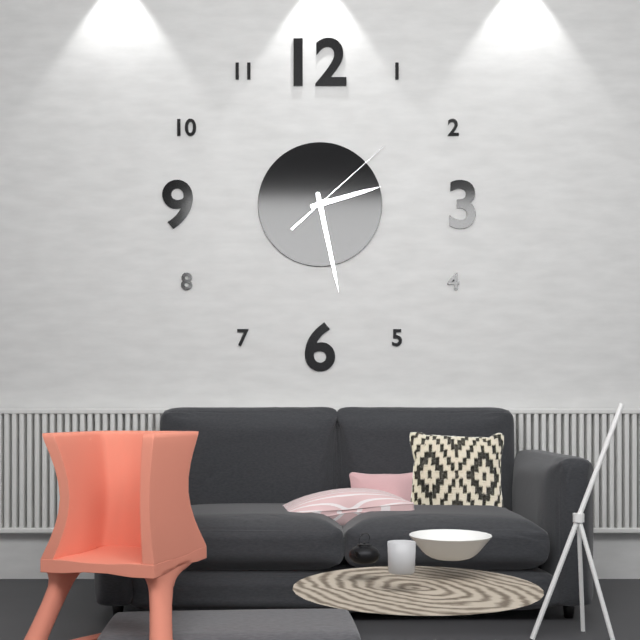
2:28:08
